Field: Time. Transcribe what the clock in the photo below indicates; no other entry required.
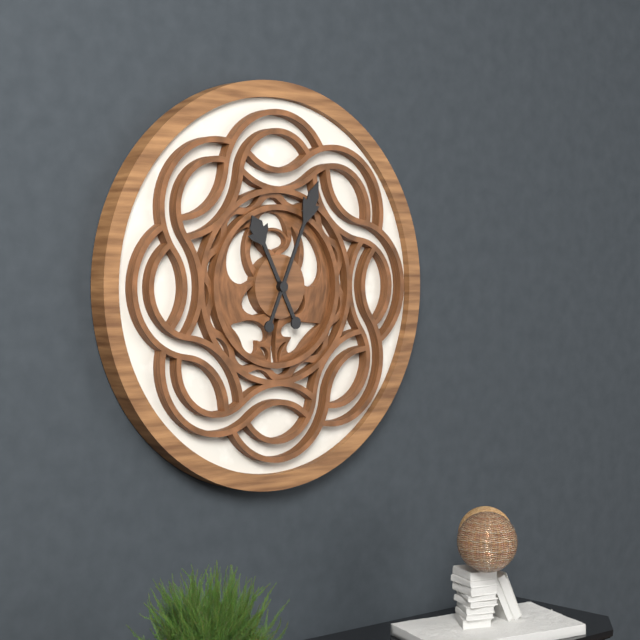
11:04
